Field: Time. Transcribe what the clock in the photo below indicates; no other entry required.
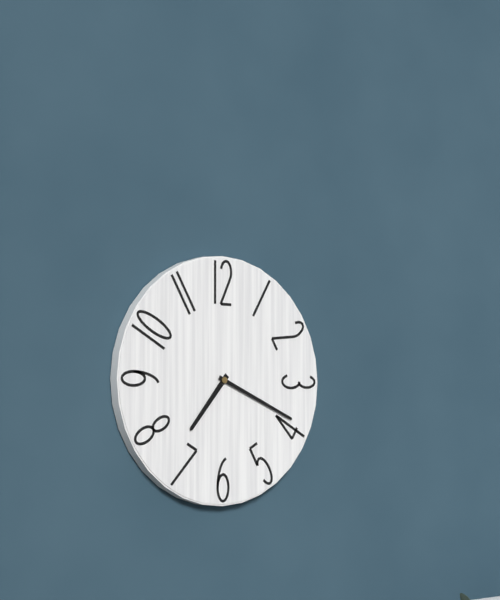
7:19
